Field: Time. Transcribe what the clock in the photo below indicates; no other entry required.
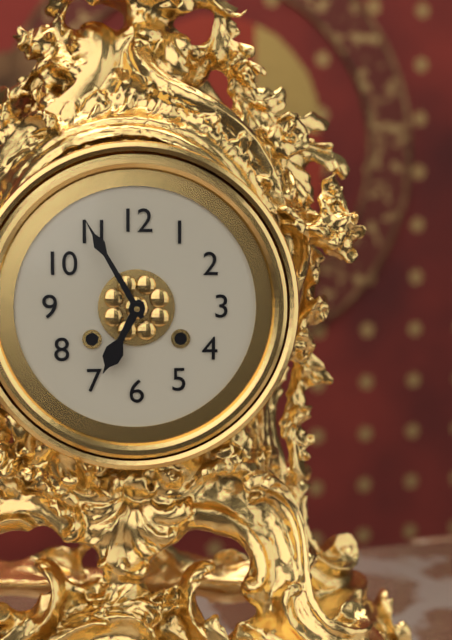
6:55
